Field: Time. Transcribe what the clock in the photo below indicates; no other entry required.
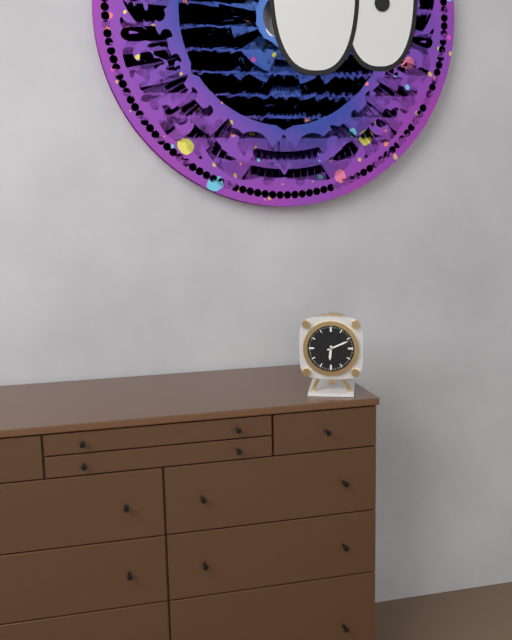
6:11
